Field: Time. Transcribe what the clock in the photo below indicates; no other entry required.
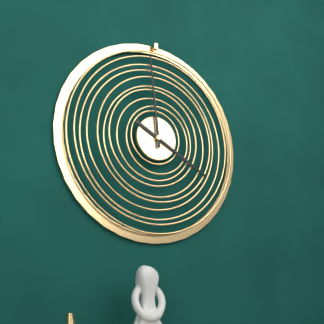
3:59
